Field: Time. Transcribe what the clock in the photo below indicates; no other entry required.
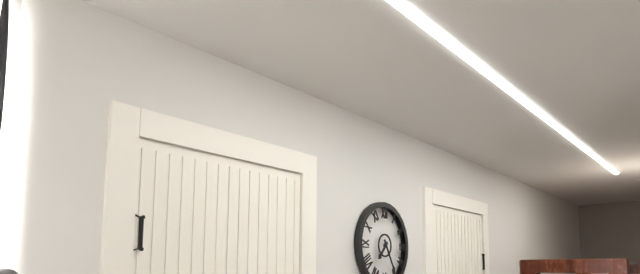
7:25
